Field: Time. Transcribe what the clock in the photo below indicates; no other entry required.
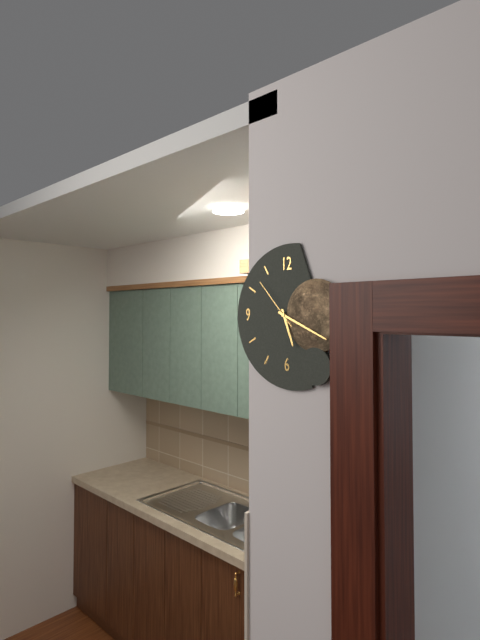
5:19:53
